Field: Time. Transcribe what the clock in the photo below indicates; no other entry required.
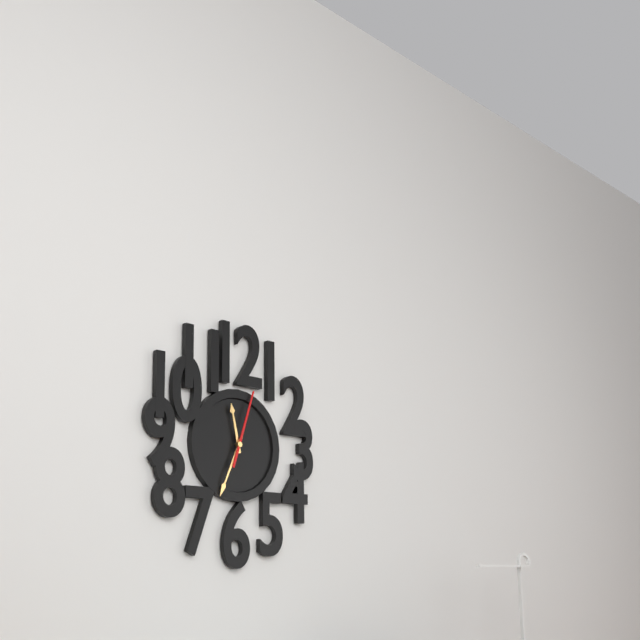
11:34:03
